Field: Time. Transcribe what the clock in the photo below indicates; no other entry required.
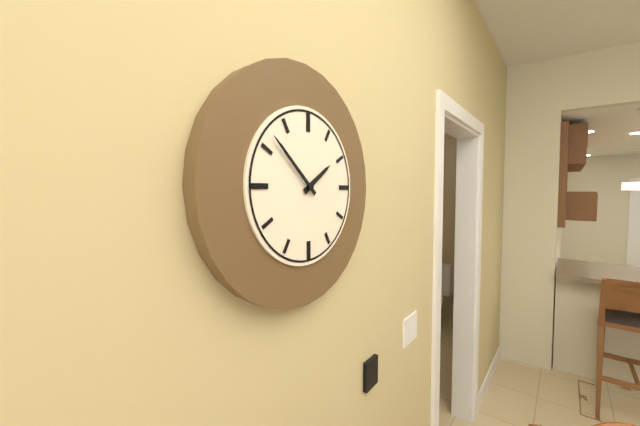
1:52
